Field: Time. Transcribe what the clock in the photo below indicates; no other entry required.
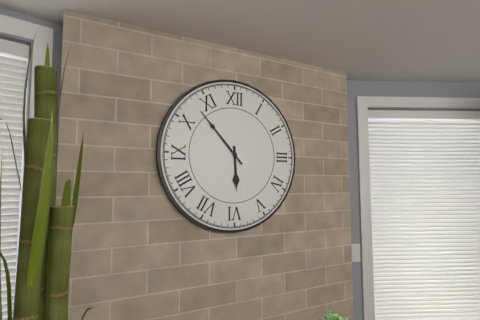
5:53
